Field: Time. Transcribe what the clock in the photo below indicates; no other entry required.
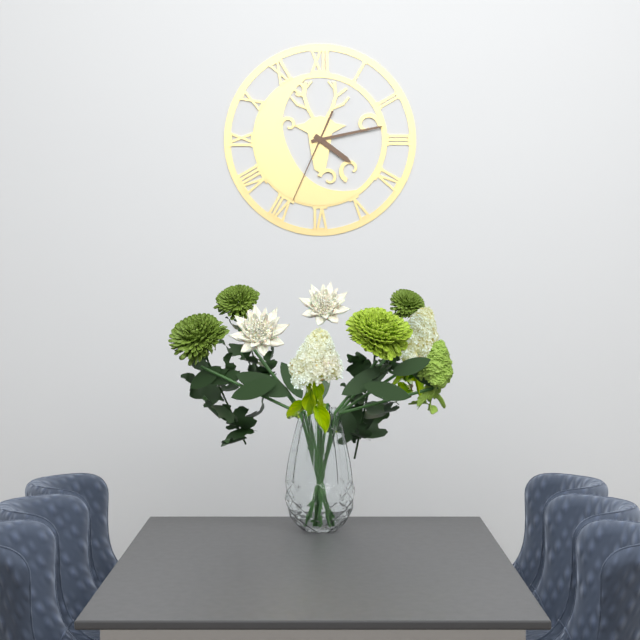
4:13:34
